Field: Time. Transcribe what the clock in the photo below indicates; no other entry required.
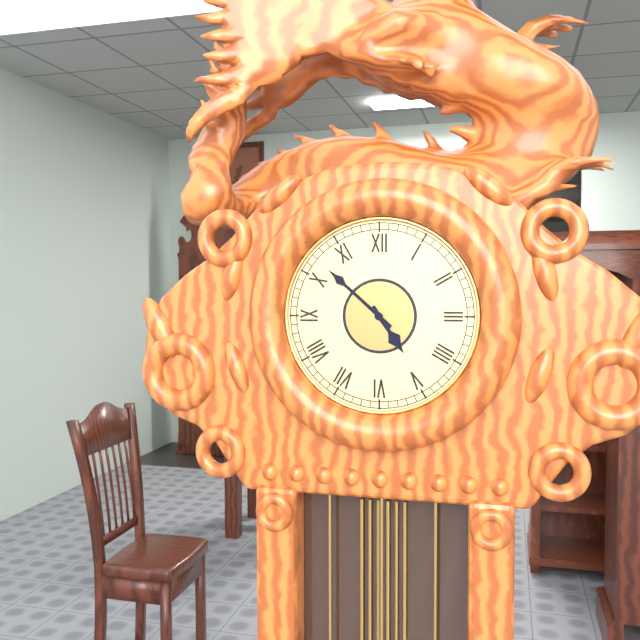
4:52
